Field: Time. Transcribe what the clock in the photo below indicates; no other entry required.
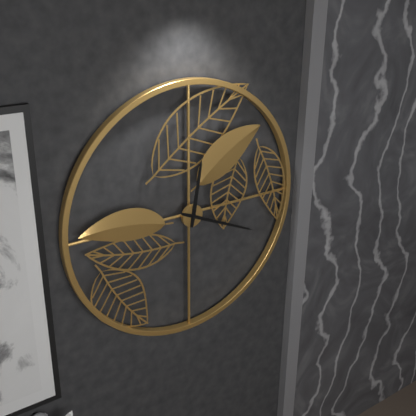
12:19
